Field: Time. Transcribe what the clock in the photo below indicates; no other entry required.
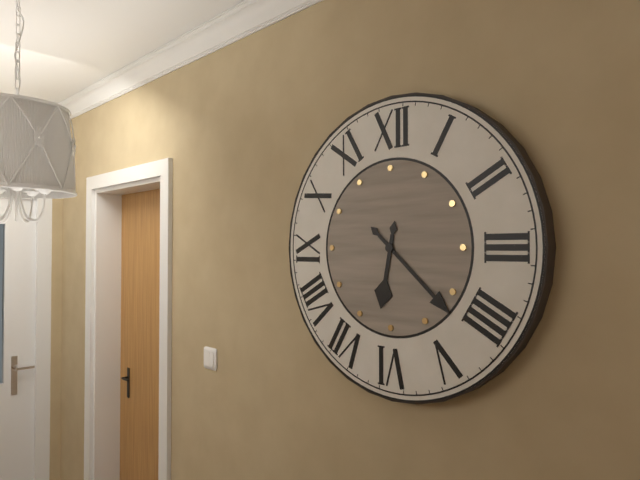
6:22
